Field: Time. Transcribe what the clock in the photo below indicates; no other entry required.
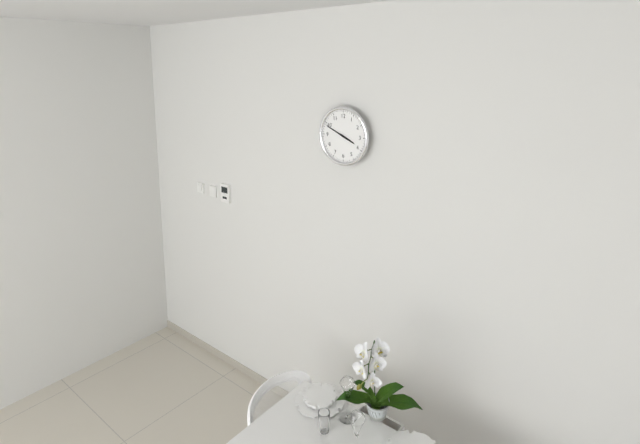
3:49
